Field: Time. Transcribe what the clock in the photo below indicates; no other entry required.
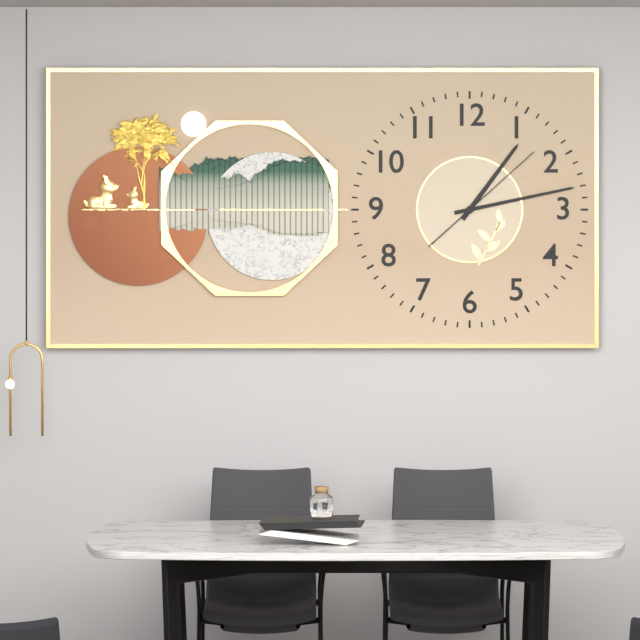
1:13:08
